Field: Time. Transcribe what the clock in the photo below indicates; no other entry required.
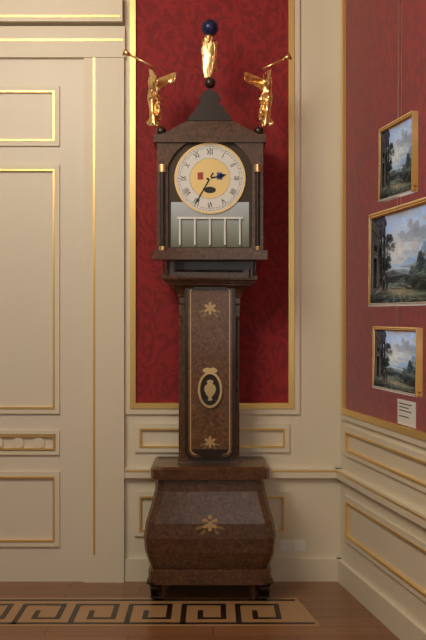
2:35
